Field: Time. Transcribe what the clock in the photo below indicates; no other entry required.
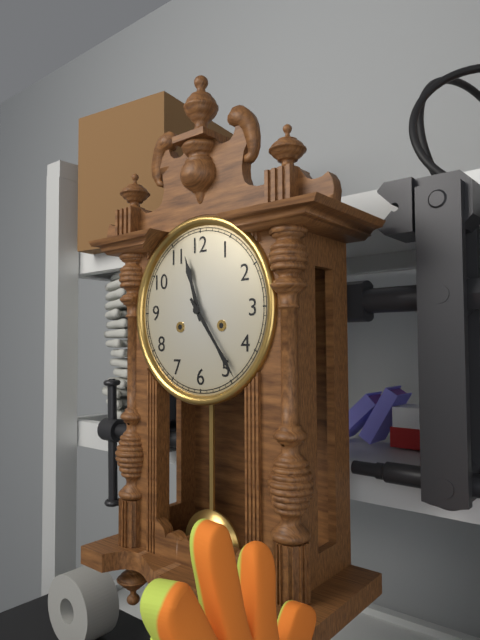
11:24
